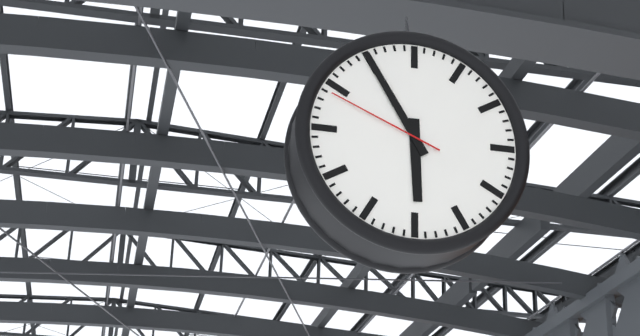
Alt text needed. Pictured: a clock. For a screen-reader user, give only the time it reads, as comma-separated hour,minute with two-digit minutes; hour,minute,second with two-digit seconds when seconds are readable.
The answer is 5,55,49
